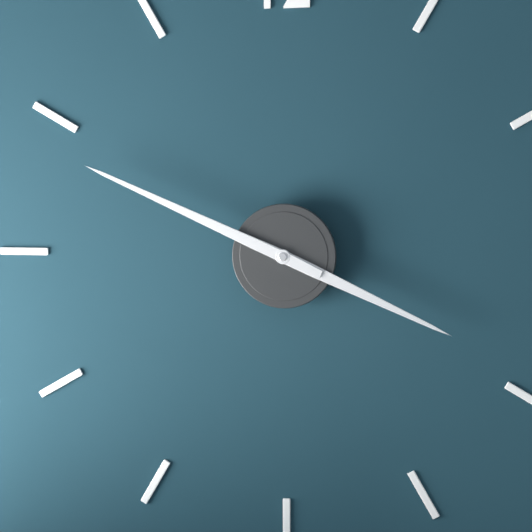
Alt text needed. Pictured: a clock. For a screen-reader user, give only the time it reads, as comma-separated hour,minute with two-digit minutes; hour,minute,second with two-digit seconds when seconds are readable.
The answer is 3,49
